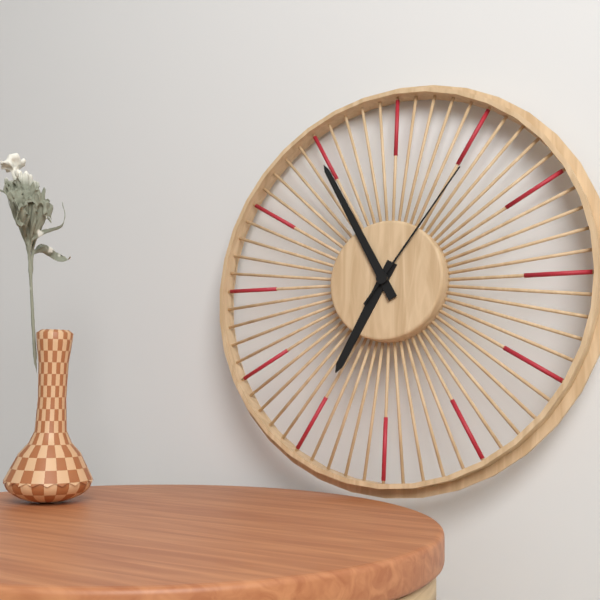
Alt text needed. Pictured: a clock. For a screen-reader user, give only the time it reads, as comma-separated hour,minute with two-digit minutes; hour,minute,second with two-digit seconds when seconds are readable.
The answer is 6,55,06
